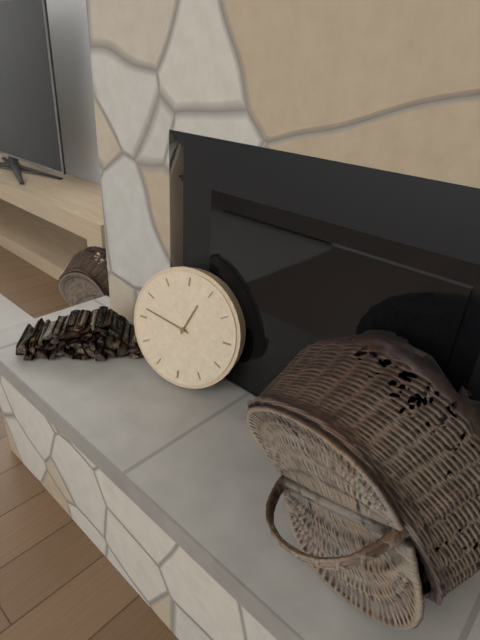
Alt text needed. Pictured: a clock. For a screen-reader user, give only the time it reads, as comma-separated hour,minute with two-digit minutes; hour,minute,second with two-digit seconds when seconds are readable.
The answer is 12,47
